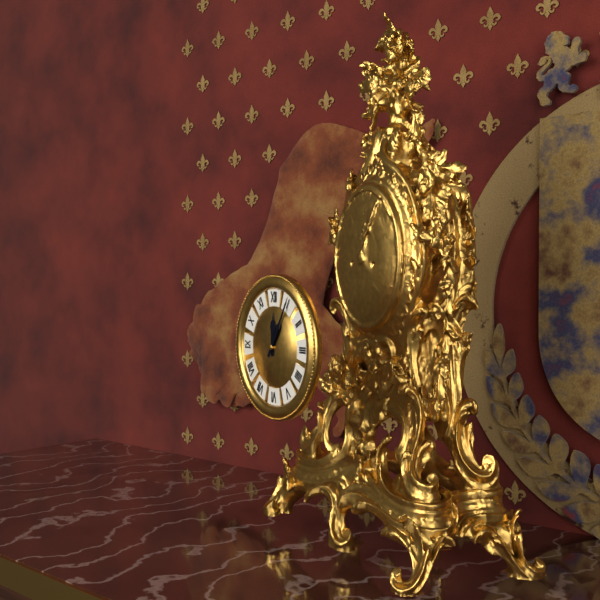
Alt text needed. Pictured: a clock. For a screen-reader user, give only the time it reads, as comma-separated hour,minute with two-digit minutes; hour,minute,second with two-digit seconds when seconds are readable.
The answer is 12,05
